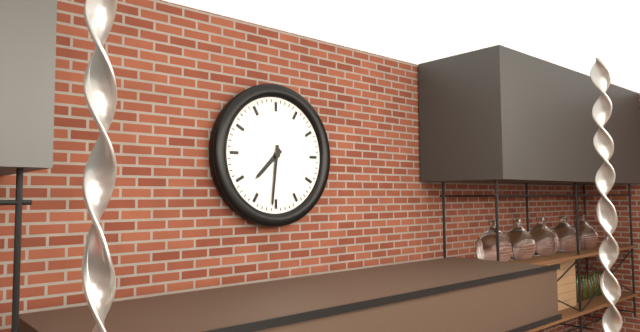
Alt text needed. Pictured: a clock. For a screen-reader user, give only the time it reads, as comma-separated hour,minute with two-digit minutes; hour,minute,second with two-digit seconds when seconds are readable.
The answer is 7,31
